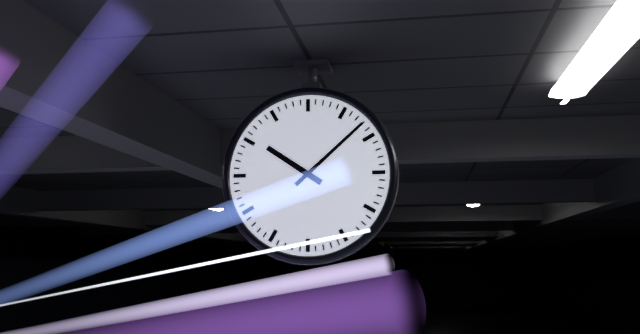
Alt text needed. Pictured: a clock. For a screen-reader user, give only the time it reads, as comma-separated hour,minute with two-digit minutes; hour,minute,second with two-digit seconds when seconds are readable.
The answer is 10,08
